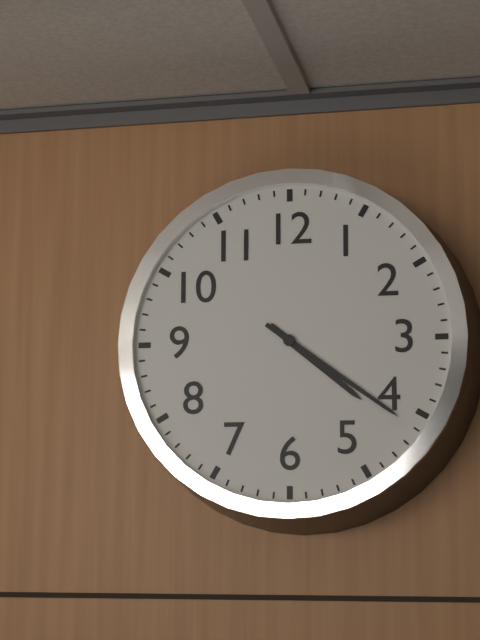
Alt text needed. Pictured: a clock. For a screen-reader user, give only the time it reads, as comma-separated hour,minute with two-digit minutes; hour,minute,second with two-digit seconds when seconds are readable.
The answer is 4,21
